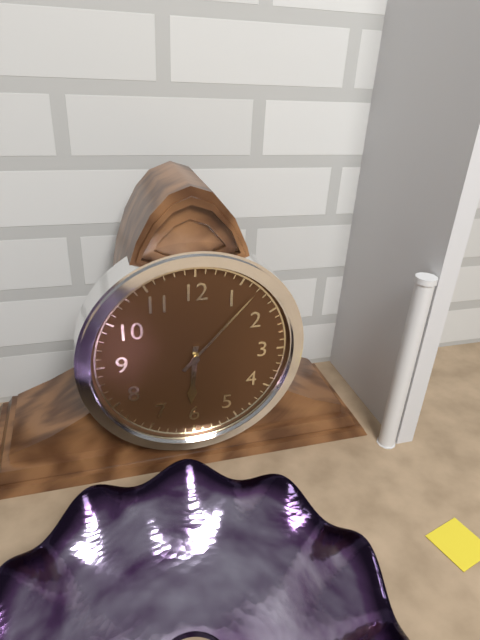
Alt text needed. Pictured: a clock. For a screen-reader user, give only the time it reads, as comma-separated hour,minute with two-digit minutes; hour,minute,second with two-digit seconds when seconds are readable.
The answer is 6,07
